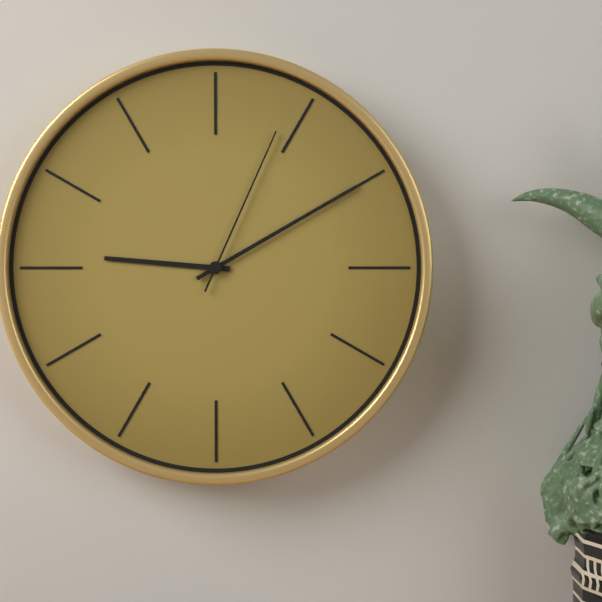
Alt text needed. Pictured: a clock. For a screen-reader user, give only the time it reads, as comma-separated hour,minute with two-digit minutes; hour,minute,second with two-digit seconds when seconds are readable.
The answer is 9,10,04
